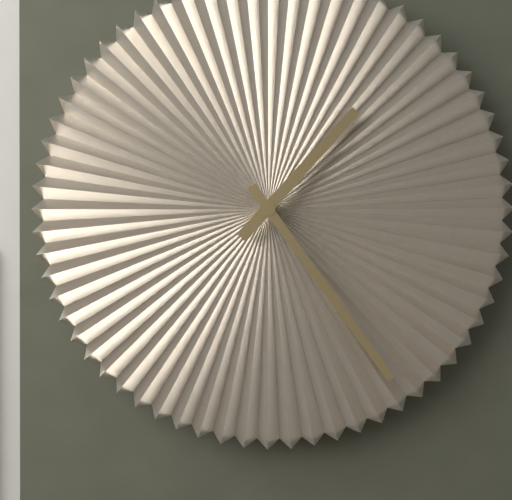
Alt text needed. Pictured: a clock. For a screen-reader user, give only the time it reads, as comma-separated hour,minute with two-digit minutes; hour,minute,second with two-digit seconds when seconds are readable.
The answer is 1,24
